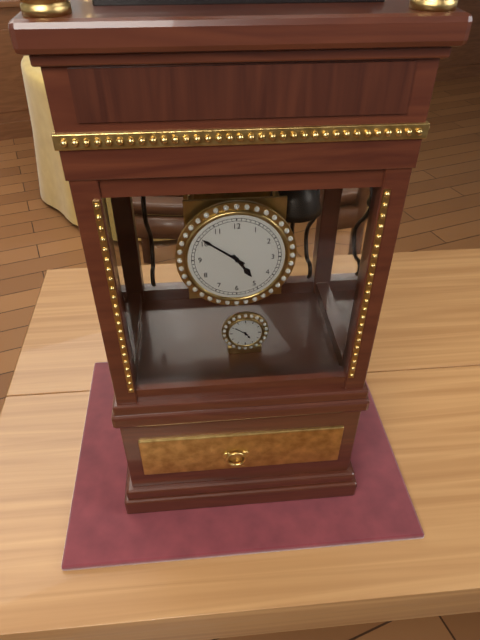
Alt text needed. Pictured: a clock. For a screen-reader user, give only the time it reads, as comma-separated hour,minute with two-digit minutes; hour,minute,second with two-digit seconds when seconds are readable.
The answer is 4,51
